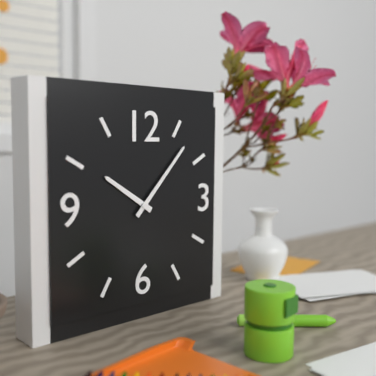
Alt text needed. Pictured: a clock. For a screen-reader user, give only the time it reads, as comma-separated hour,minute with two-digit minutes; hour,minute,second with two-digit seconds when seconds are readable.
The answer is 10,07
